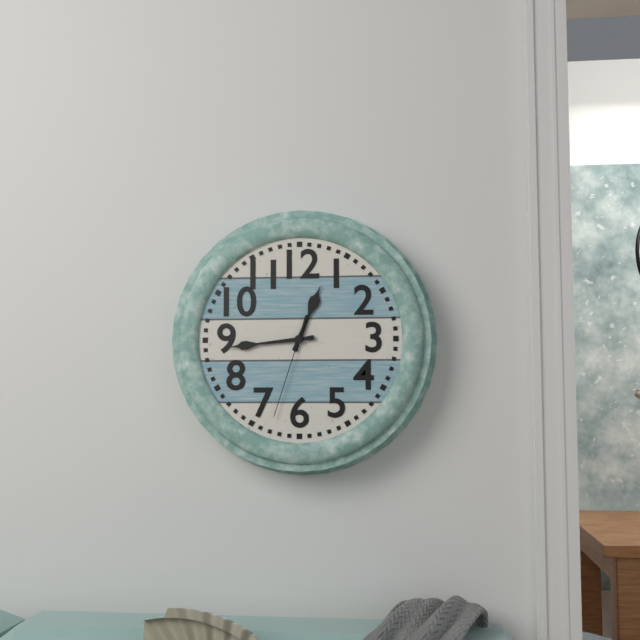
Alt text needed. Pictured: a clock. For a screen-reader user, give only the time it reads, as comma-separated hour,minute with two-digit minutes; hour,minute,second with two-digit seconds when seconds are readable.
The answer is 12,44,33
